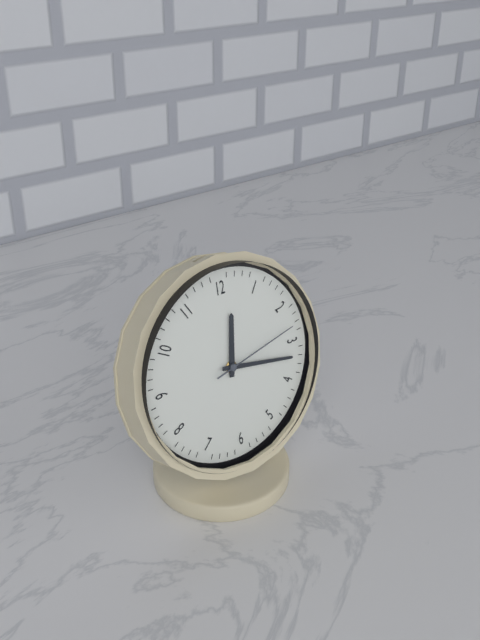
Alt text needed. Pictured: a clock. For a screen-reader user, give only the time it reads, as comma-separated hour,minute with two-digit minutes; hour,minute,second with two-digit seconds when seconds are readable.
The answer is 12,17,13
